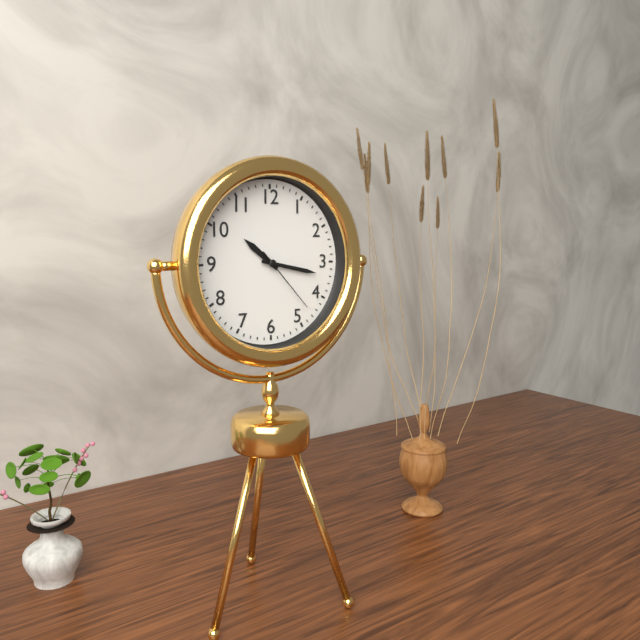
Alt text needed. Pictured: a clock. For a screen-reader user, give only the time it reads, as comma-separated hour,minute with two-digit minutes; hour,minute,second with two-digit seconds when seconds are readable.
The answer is 10,17,23
